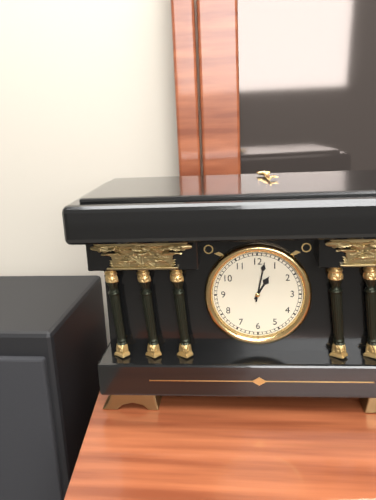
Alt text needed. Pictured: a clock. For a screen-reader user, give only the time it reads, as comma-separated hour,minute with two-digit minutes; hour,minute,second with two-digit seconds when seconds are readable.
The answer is 1,02
